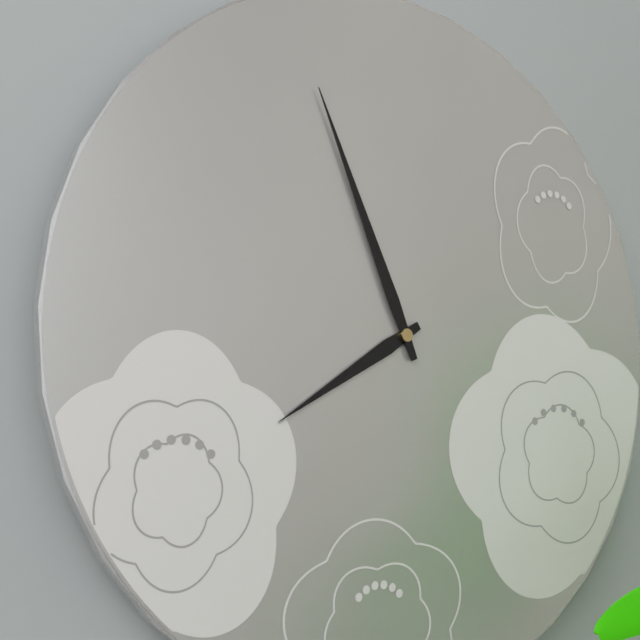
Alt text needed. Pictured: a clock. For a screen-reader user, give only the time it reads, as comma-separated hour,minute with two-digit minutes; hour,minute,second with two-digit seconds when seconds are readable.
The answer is 7,56
